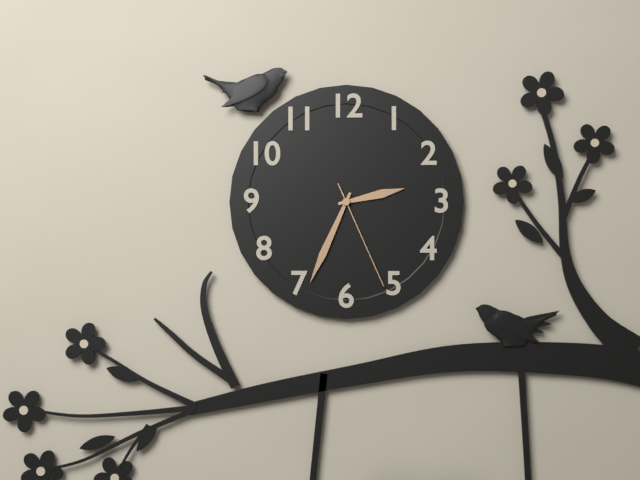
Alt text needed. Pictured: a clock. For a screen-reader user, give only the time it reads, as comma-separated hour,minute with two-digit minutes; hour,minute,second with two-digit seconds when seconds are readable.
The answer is 2,34,26
